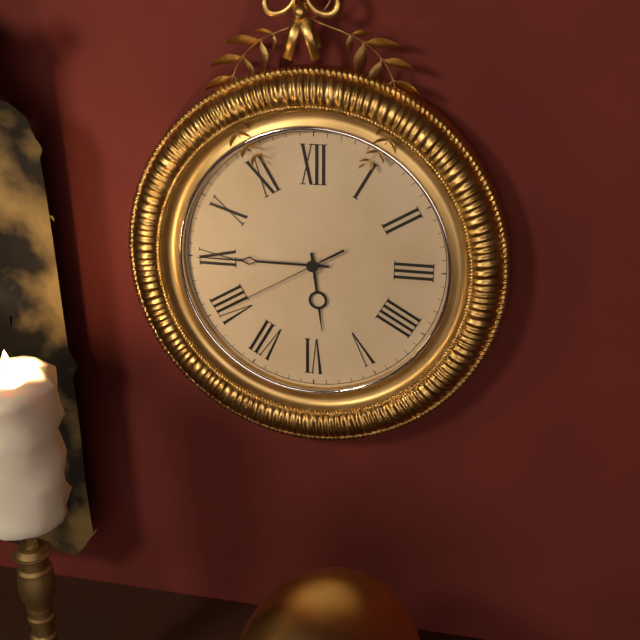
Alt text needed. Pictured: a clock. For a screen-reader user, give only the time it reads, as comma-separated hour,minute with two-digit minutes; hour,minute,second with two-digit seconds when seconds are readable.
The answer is 5,45,40
